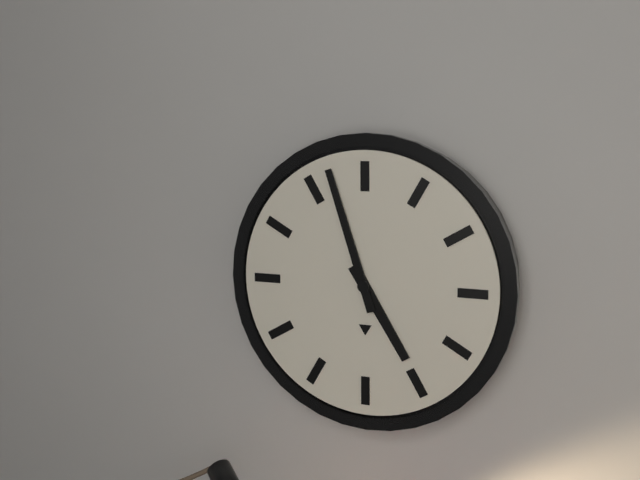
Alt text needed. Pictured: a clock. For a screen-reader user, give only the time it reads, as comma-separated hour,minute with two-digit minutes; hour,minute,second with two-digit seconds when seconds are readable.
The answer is 4,57
